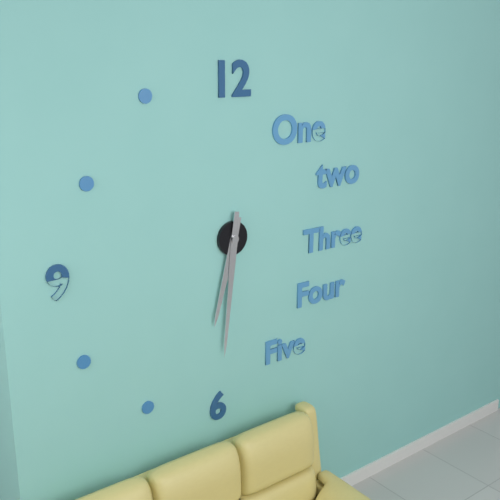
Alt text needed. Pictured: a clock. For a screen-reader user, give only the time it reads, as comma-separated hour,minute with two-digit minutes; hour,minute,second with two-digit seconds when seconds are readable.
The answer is 6,31
